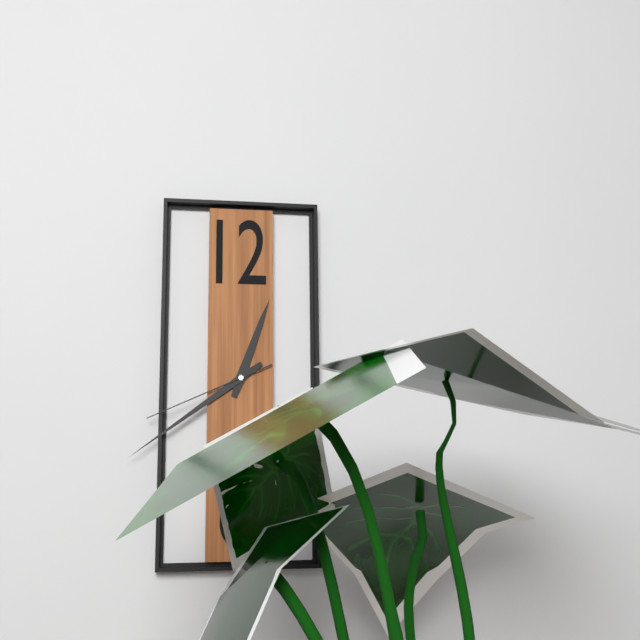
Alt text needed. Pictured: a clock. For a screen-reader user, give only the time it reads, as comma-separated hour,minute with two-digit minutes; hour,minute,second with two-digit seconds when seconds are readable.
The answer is 12,39,41
